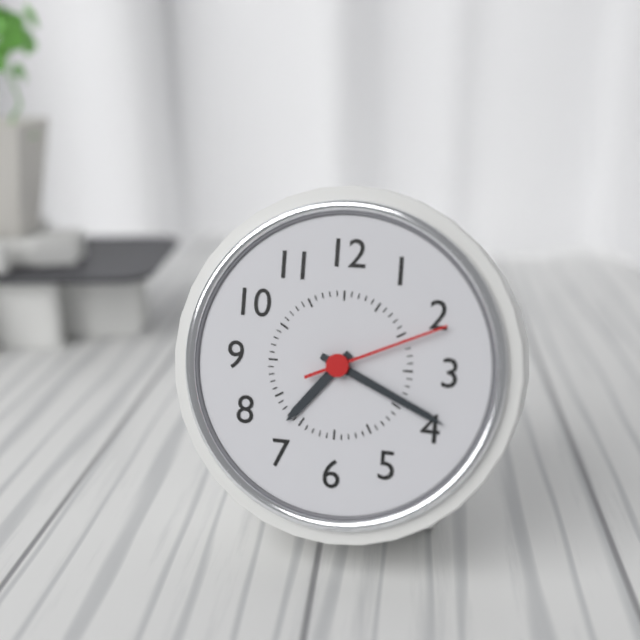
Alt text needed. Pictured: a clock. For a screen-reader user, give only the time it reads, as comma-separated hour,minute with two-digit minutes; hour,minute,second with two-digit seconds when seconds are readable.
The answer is 7,19,11
